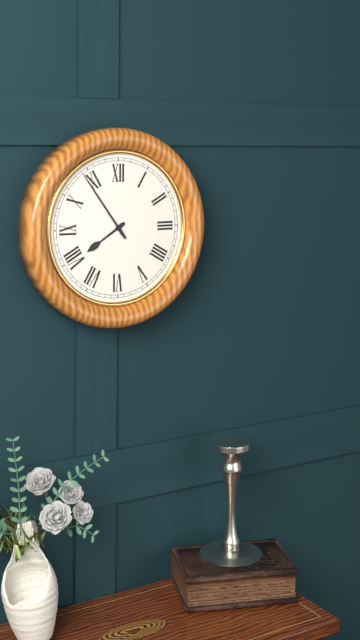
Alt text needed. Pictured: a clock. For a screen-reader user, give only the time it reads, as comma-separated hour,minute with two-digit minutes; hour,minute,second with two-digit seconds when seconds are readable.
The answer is 7,54
